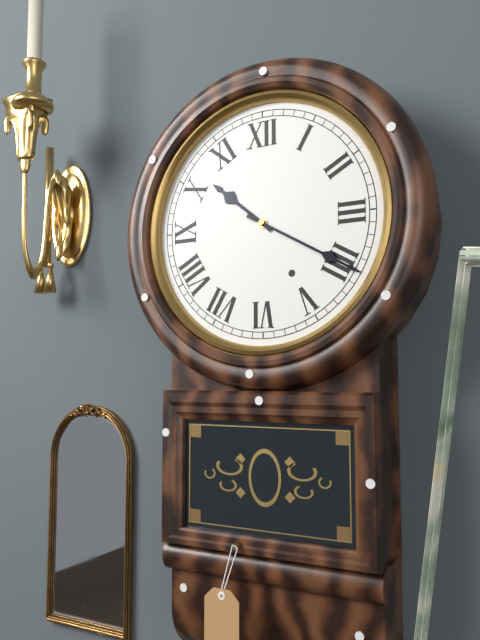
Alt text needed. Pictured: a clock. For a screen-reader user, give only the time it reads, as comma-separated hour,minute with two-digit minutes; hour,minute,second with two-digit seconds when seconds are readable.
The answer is 10,20
